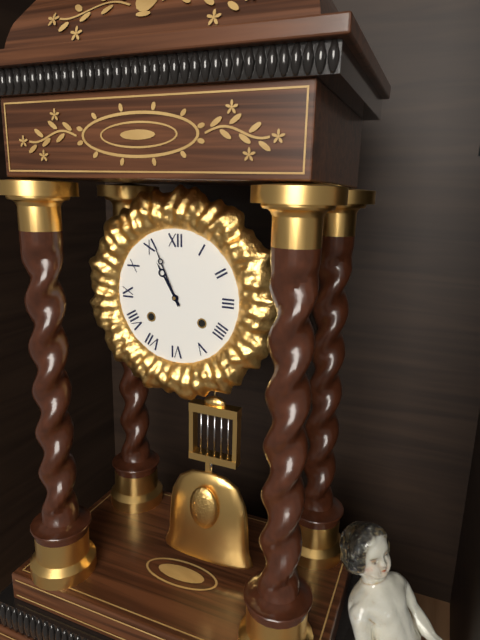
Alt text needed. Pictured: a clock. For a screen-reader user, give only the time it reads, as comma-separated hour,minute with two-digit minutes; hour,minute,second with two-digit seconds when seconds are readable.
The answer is 10,56
